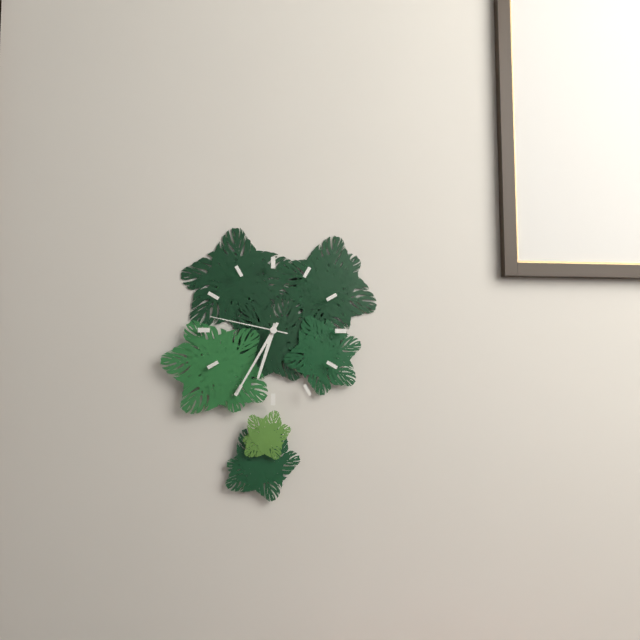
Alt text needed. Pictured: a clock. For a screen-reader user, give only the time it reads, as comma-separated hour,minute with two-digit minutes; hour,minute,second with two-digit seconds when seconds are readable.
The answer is 6,35,47
